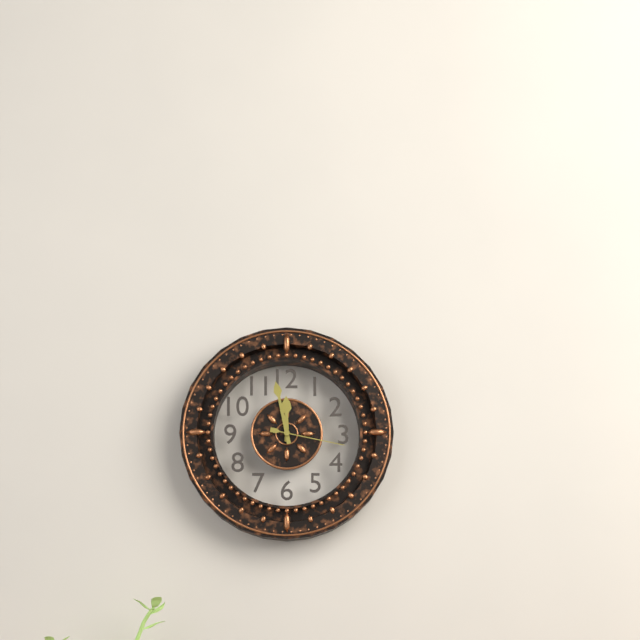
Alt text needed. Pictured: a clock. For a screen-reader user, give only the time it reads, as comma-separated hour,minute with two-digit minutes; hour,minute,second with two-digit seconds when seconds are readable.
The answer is 11,58,17
